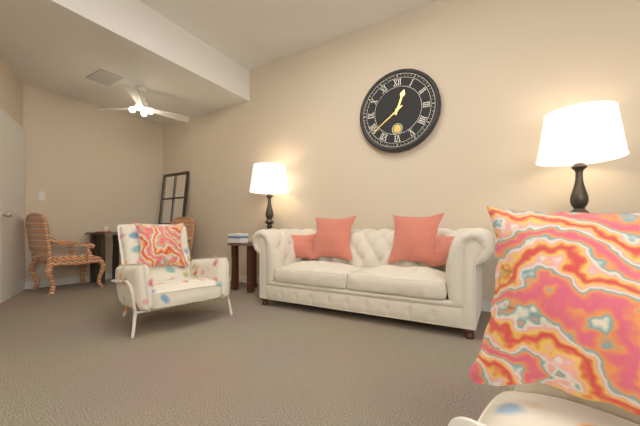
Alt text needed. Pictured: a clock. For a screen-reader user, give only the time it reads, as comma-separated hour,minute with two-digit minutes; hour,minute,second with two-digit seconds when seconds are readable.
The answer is 12,39
